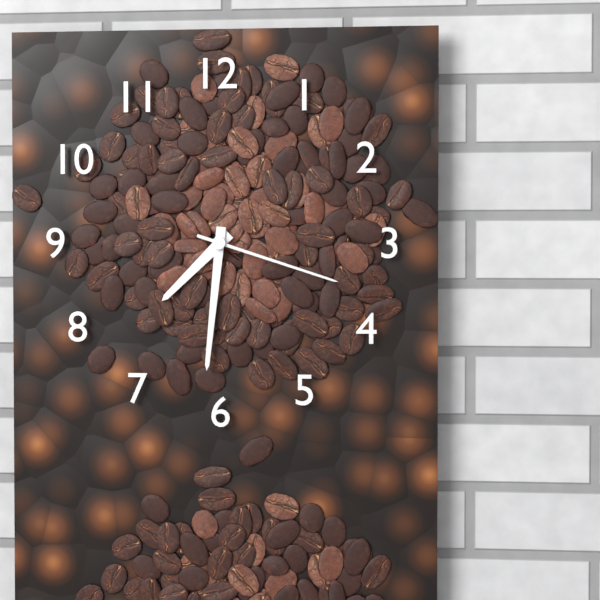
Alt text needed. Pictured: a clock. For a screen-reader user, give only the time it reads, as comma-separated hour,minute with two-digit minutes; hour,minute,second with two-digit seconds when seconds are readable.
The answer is 7,31,18
